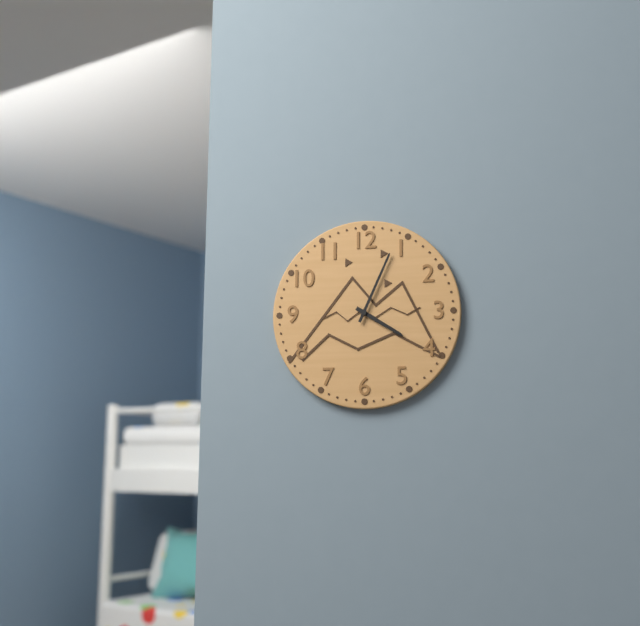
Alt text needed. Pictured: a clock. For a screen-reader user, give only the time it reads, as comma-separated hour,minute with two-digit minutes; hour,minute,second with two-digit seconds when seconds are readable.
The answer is 4,04
